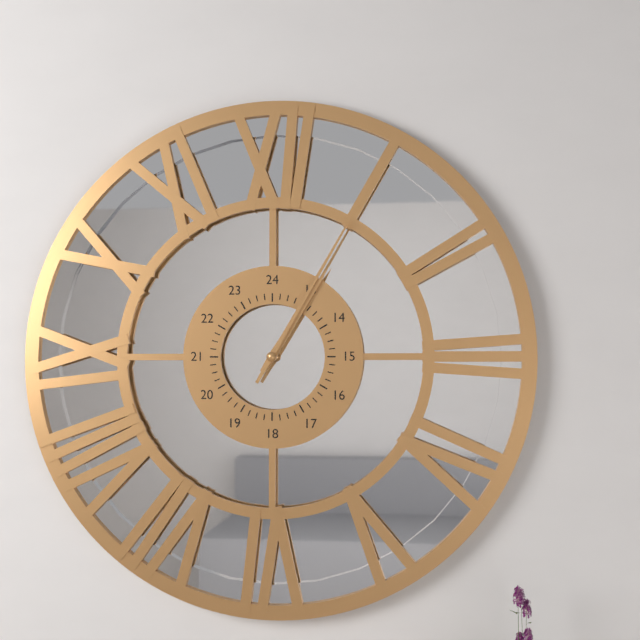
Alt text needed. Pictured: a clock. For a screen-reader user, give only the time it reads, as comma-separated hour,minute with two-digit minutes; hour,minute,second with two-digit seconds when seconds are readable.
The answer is 1,05
